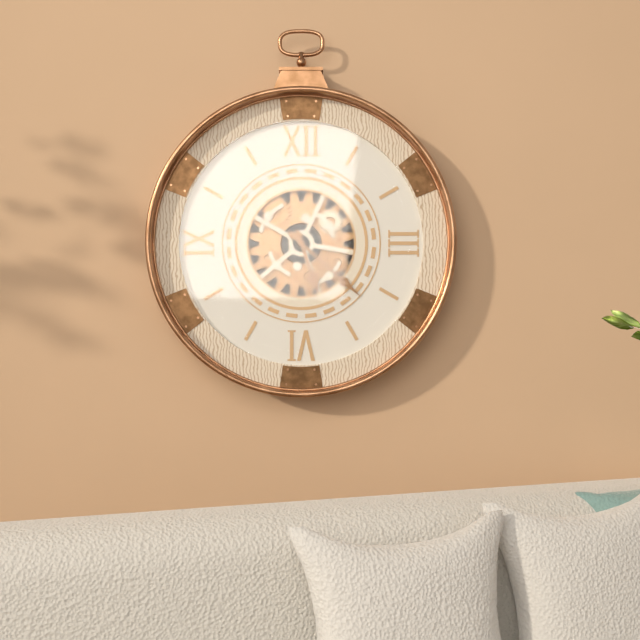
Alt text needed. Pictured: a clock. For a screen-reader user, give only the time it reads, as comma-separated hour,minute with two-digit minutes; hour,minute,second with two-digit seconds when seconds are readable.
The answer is 5,22
